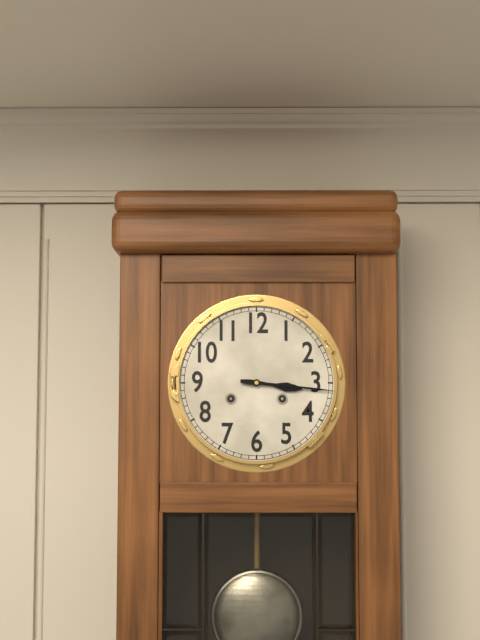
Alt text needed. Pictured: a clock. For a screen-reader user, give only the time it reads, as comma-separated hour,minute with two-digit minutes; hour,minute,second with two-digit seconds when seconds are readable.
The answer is 3,16
